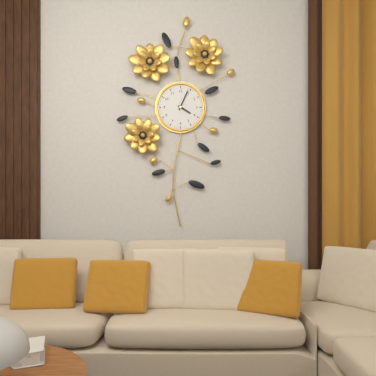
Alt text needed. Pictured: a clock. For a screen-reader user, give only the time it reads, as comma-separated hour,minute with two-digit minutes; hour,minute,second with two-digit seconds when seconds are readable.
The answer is 4,04
